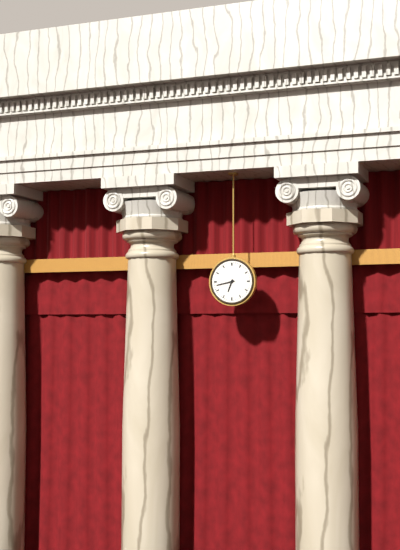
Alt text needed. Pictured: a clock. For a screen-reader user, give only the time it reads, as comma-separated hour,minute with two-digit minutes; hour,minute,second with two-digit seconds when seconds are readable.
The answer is 6,43
